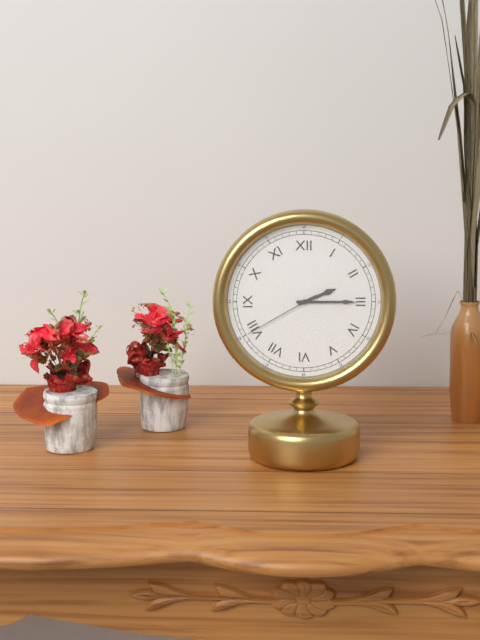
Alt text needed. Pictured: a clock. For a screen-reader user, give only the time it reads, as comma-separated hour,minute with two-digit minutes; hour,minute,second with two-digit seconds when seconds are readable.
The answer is 2,15,40
